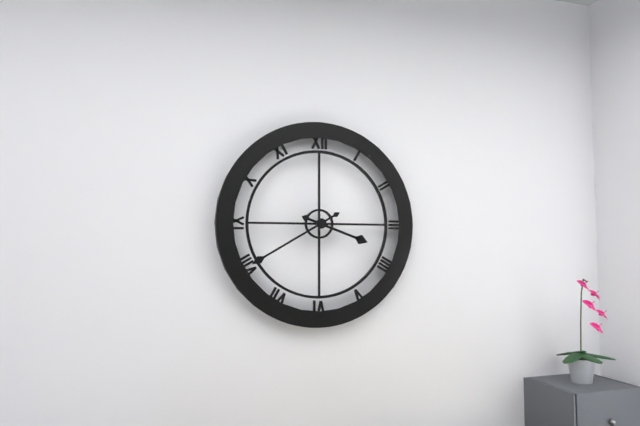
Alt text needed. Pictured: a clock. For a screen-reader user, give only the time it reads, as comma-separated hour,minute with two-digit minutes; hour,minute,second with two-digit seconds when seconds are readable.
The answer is 3,40
